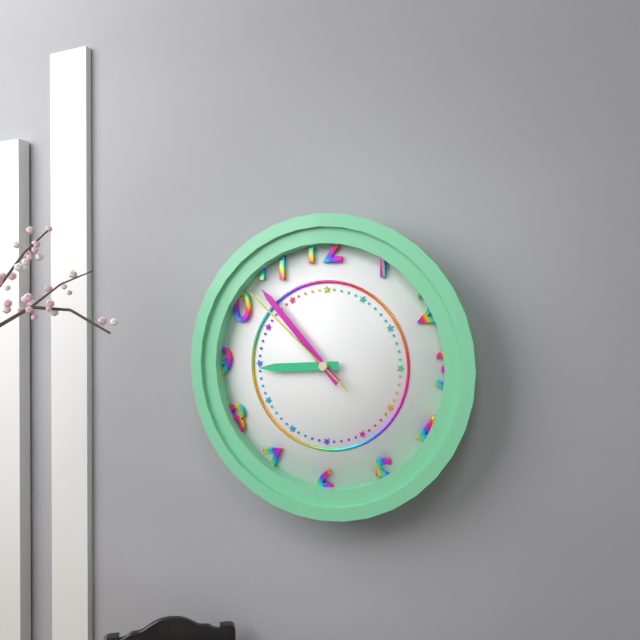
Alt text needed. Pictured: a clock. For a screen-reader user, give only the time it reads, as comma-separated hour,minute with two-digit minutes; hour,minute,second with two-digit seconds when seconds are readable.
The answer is 8,53,52
